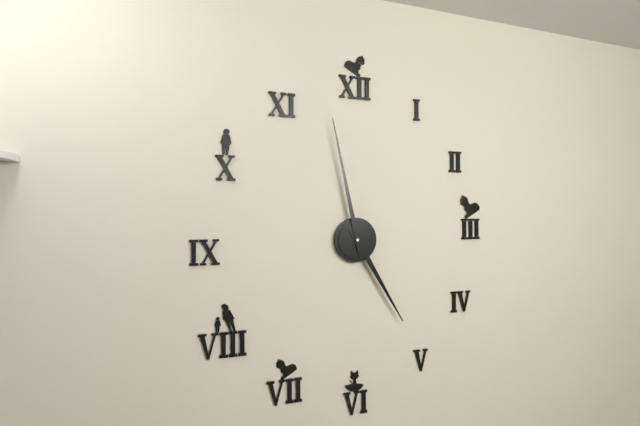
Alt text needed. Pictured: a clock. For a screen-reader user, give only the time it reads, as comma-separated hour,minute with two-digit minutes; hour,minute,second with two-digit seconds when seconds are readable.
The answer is 4,58
